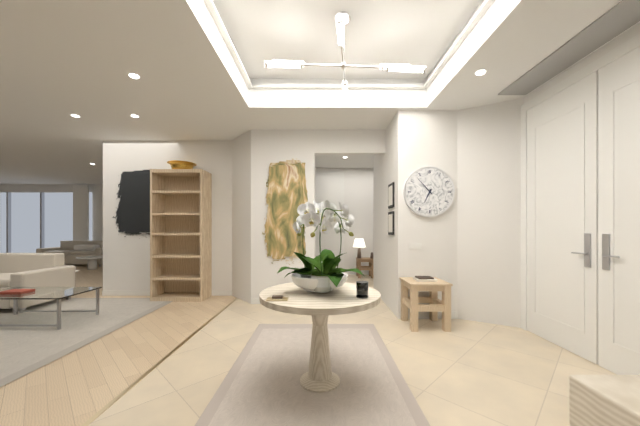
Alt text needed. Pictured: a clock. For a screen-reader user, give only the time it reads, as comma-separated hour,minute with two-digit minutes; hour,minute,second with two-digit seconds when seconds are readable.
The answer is 6,53
